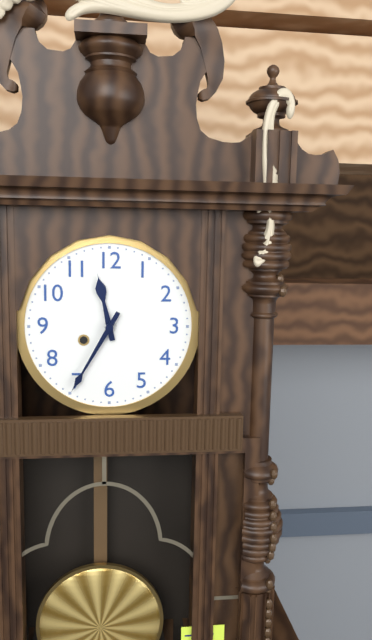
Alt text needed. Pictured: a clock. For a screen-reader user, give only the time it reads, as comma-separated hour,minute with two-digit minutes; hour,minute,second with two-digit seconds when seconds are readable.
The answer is 11,35
